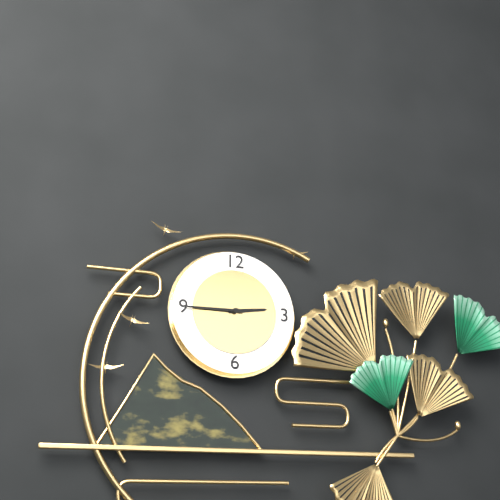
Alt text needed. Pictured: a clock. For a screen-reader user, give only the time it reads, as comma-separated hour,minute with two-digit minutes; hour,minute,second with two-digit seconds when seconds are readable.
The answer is 2,45
